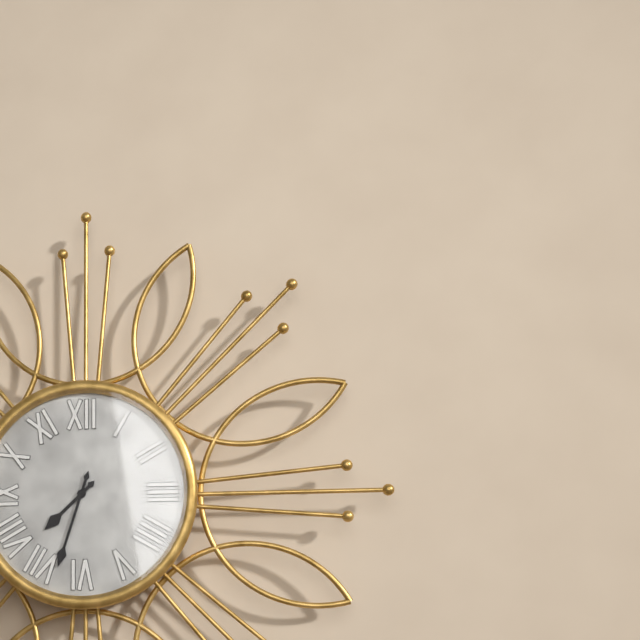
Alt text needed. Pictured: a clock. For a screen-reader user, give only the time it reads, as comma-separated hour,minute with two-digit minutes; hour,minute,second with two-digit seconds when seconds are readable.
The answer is 7,33
